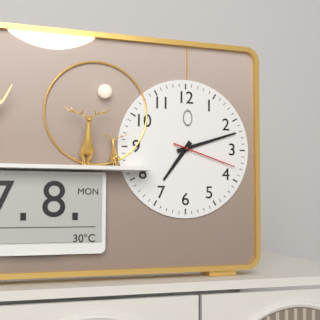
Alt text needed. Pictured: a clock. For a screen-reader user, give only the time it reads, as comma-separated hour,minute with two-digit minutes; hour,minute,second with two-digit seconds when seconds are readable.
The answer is 7,12,18
